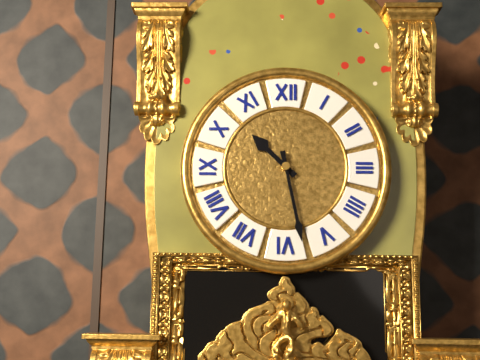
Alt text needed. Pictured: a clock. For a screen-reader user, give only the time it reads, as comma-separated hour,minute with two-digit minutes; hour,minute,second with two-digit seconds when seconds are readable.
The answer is 10,28
